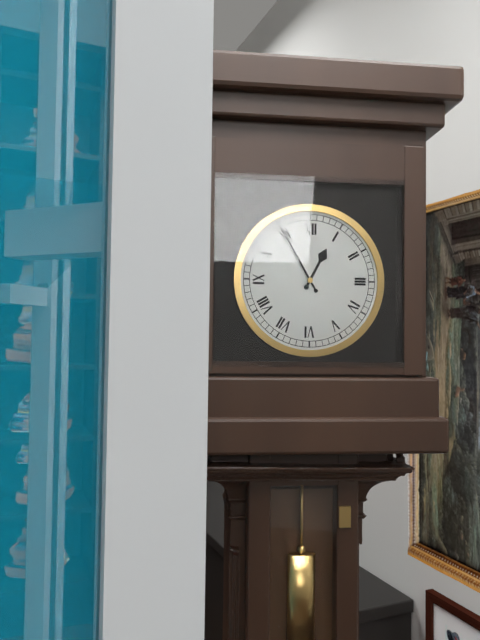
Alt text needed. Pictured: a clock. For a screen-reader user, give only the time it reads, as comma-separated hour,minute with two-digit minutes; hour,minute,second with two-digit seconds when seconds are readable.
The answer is 12,55
